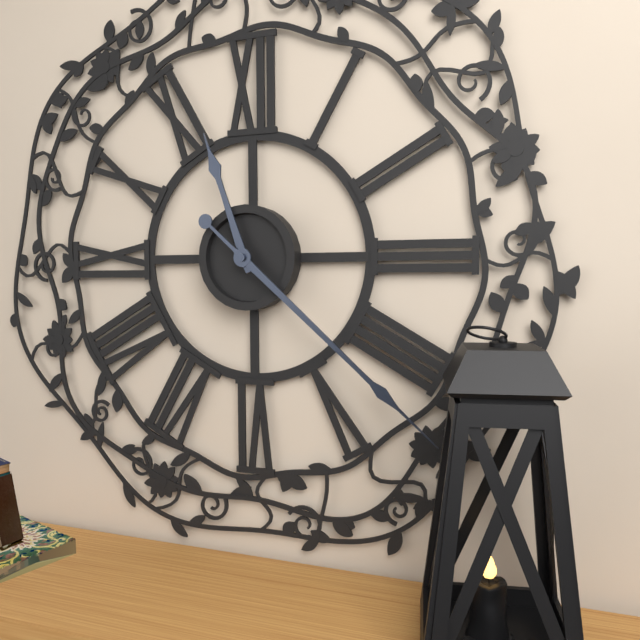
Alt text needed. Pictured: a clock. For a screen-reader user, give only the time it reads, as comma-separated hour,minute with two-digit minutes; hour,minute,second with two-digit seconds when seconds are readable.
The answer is 11,22
